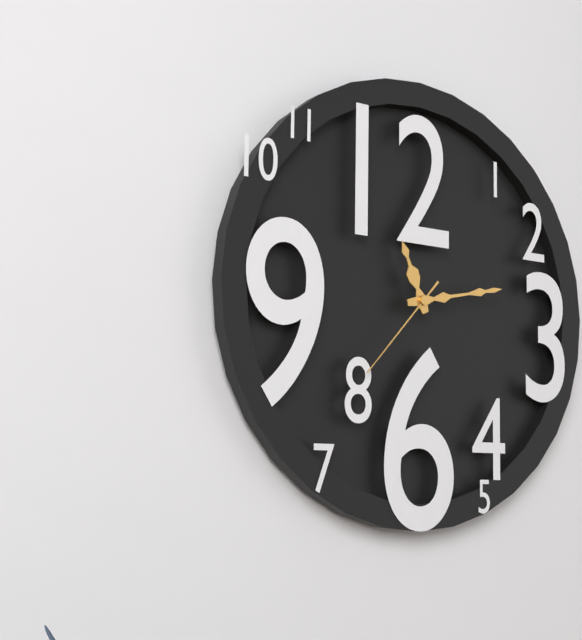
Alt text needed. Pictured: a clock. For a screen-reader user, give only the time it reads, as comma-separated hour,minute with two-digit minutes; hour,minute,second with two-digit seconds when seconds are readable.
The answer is 11,13,37
